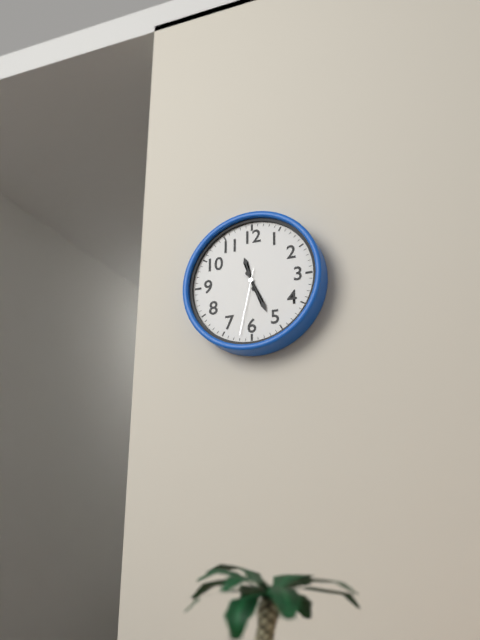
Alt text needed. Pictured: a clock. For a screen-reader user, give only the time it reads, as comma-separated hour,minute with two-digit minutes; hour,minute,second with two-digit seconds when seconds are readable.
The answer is 11,26,32
